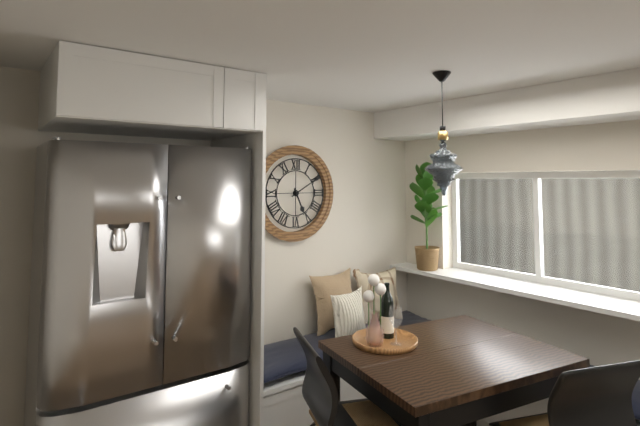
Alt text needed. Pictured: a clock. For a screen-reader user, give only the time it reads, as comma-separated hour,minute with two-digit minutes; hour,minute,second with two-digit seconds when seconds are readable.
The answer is 5,10
